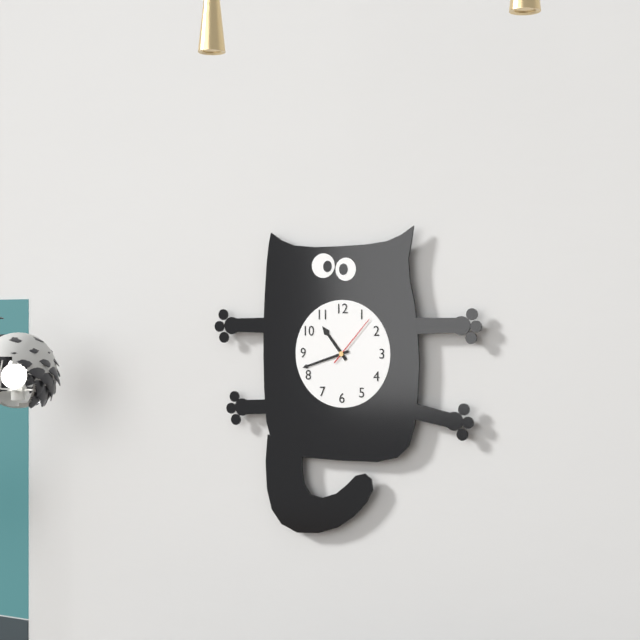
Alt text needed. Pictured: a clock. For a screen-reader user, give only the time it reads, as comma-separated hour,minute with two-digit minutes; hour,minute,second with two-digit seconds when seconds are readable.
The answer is 10,42,07
